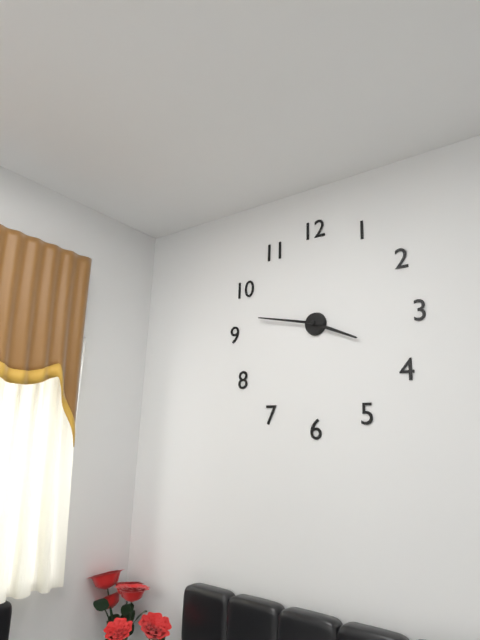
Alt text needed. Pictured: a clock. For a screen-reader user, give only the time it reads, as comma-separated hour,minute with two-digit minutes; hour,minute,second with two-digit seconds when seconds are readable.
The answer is 3,47
